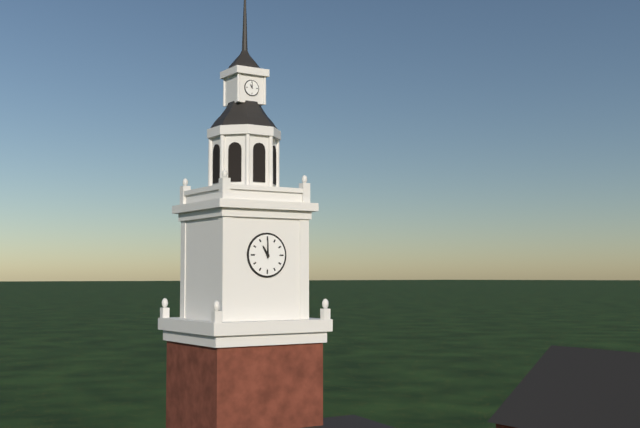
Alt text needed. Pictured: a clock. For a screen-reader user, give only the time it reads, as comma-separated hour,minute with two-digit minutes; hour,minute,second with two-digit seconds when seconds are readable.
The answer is 11,00
